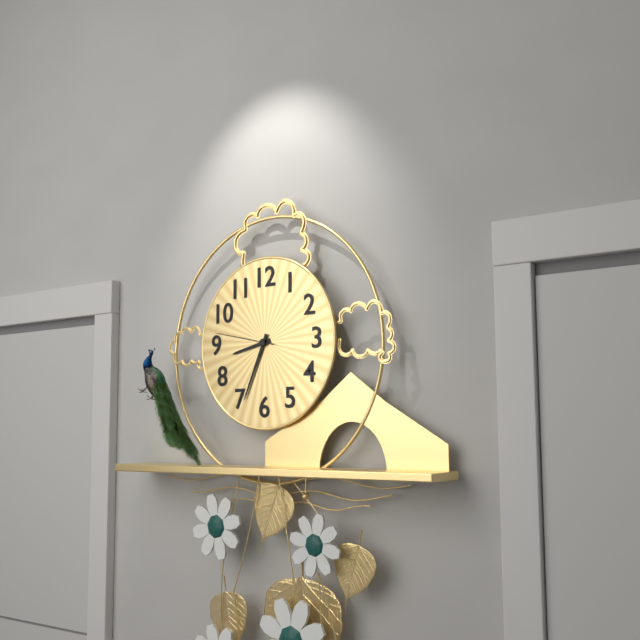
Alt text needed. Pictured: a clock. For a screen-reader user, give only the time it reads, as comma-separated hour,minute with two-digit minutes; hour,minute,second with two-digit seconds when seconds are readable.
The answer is 8,34,47
